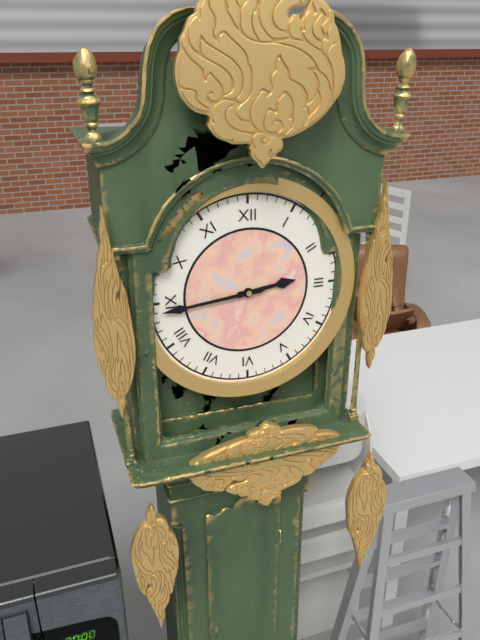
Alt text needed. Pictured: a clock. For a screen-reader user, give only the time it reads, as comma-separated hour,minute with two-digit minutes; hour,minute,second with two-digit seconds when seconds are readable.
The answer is 2,44
